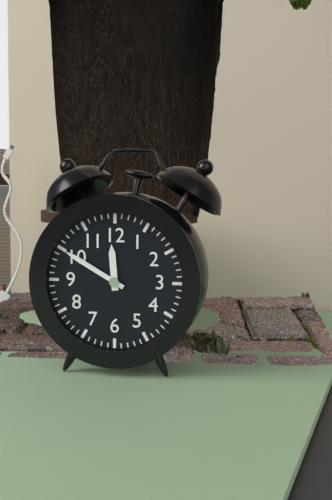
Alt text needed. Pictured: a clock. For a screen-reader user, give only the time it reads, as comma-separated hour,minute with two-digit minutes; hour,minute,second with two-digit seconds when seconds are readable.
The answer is 11,50
